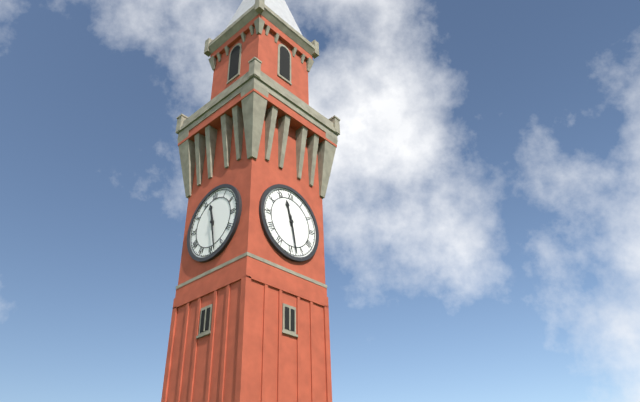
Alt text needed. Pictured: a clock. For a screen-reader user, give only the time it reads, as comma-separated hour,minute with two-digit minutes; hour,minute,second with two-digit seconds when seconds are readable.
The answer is 11,28
